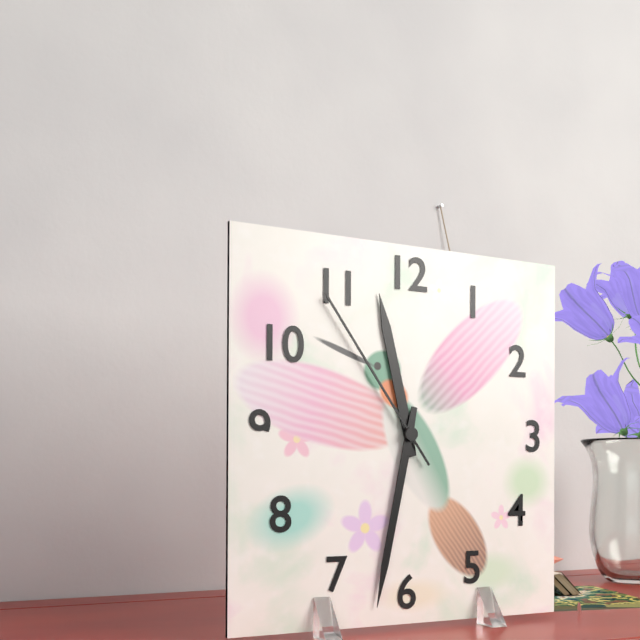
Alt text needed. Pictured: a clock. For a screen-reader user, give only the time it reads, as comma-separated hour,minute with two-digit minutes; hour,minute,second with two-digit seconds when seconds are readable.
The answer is 11,32,54
